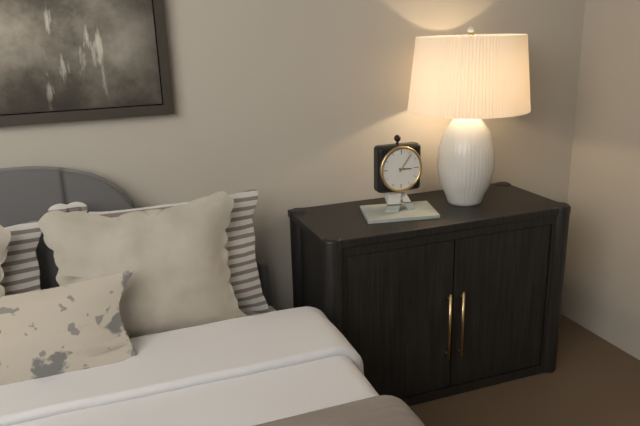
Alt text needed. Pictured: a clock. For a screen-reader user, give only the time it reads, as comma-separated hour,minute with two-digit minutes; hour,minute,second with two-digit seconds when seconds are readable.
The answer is 3,06
